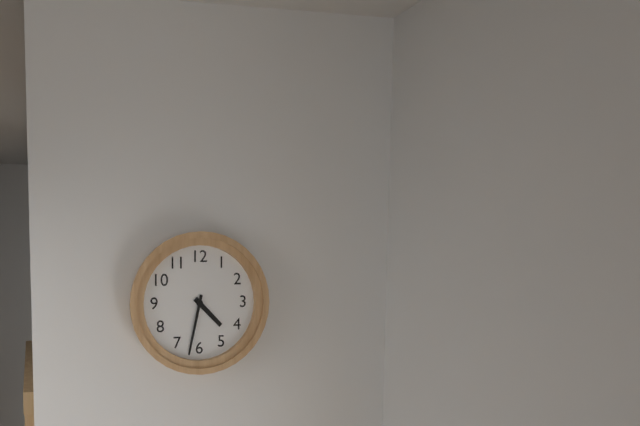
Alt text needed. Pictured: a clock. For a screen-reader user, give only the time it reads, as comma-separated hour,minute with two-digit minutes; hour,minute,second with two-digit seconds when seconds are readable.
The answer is 4,32
